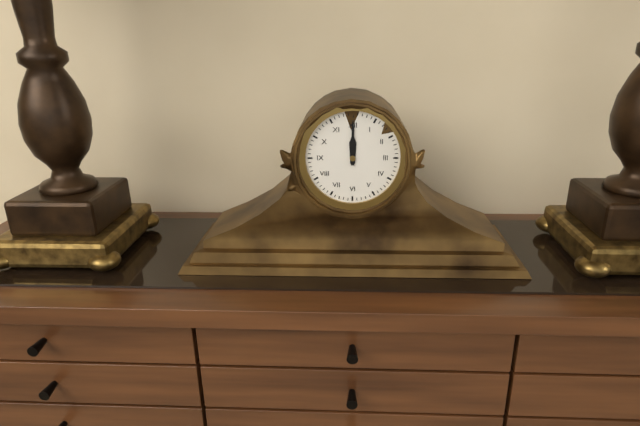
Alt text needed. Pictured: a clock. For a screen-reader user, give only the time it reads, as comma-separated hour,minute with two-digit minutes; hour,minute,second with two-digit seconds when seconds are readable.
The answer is 12,00
